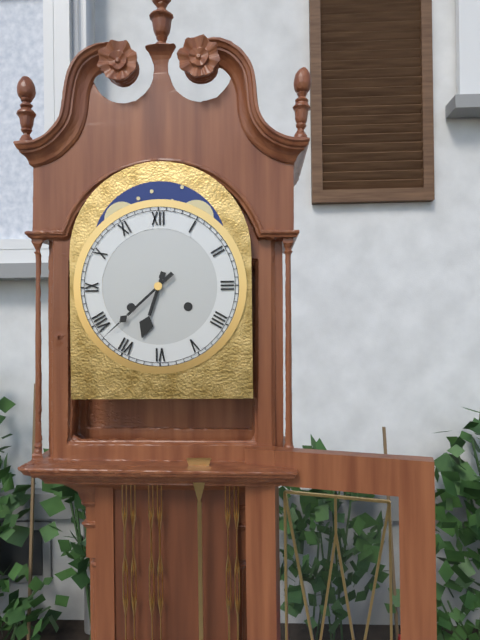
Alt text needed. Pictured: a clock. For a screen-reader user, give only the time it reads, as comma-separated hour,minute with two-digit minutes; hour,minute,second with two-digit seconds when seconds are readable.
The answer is 6,38
